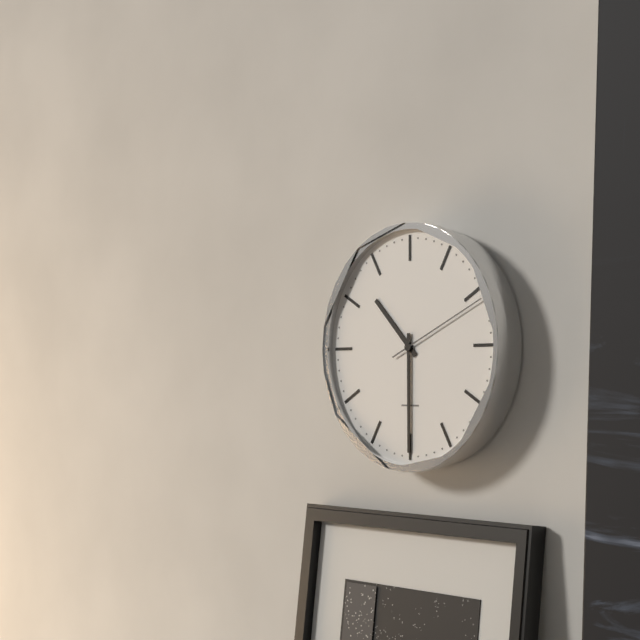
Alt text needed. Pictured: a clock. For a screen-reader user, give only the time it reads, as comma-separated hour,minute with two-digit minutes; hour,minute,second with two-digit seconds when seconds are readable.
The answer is 10,30,11
